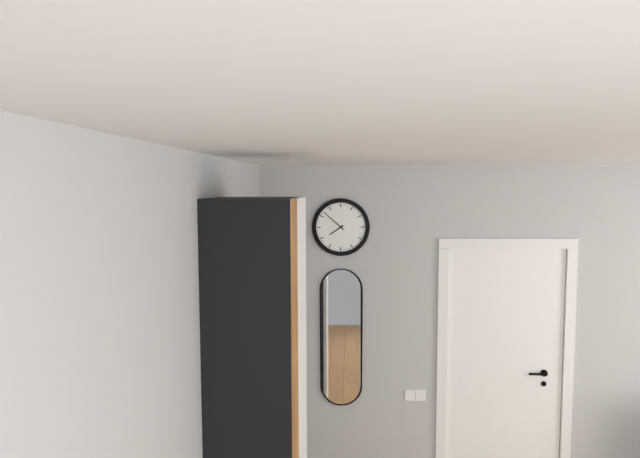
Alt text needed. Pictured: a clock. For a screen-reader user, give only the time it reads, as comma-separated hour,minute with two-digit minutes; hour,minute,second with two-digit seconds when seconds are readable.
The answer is 7,52
